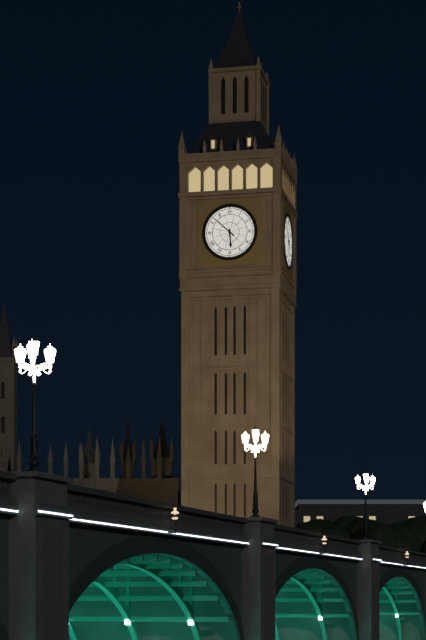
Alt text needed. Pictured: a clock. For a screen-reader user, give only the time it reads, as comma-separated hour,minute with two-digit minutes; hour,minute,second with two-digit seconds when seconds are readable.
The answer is 5,52
